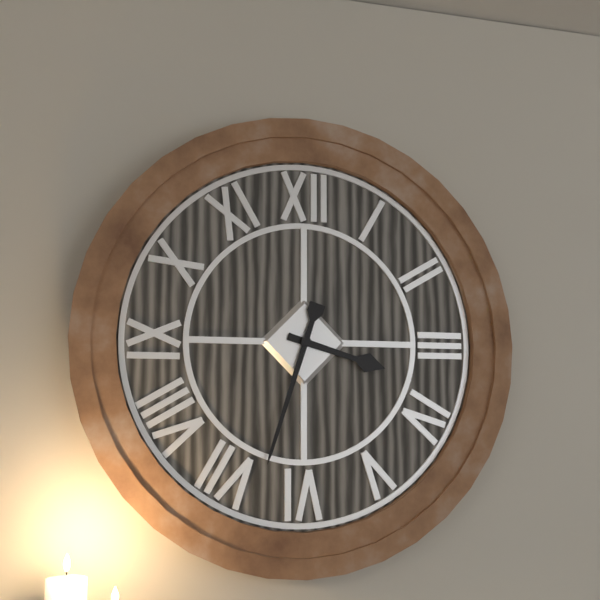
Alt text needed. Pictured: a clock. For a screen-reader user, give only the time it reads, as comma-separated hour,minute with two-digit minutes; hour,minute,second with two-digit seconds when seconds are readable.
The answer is 3,33
